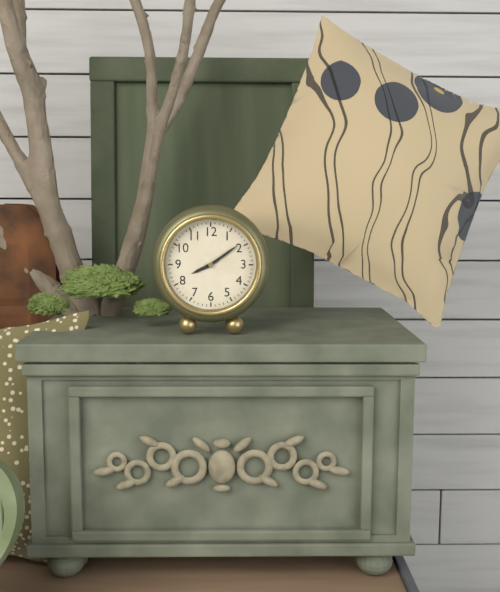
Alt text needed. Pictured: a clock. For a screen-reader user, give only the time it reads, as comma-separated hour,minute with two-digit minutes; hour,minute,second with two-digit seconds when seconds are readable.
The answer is 8,09
